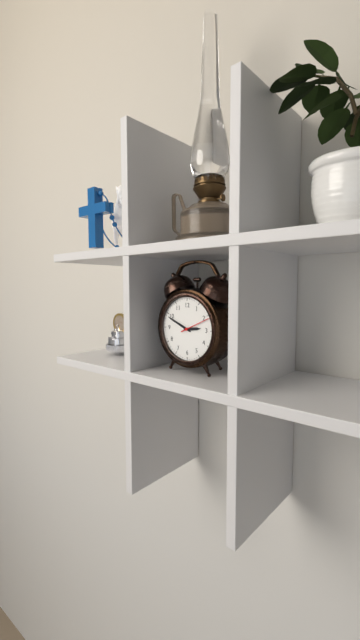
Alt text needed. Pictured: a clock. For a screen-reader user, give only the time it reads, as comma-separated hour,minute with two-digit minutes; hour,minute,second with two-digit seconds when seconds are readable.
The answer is 2,49
